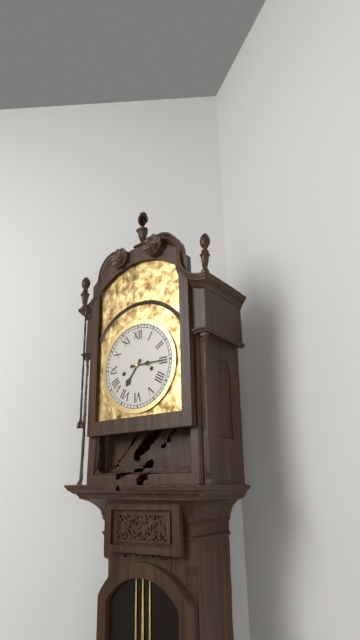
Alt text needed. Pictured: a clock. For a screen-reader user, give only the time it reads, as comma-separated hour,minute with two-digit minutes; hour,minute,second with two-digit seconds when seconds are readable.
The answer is 7,15
